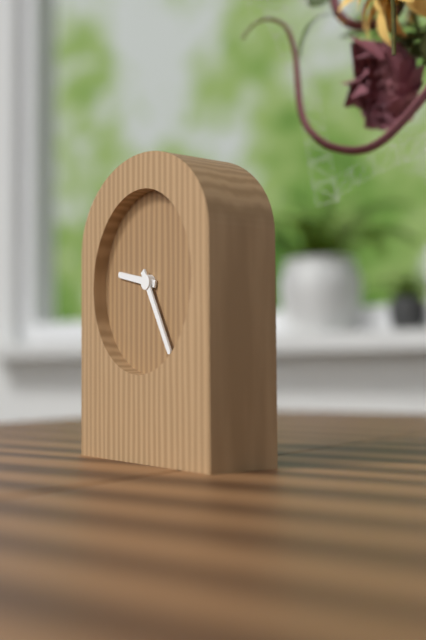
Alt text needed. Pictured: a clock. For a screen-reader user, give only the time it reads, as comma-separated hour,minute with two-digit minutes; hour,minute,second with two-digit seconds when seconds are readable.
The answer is 9,25
